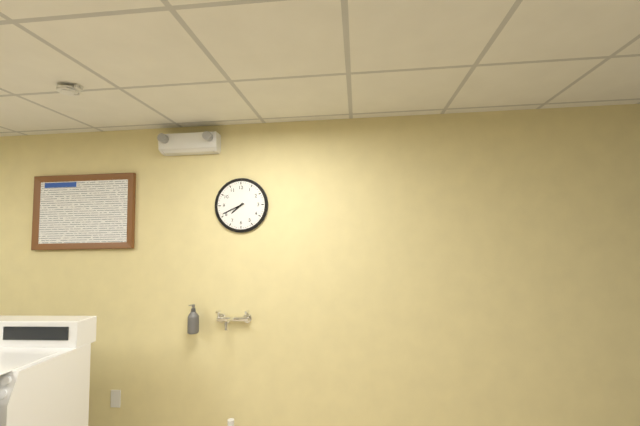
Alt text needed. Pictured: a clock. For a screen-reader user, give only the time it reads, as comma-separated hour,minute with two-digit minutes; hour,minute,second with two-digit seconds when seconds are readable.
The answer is 7,41
